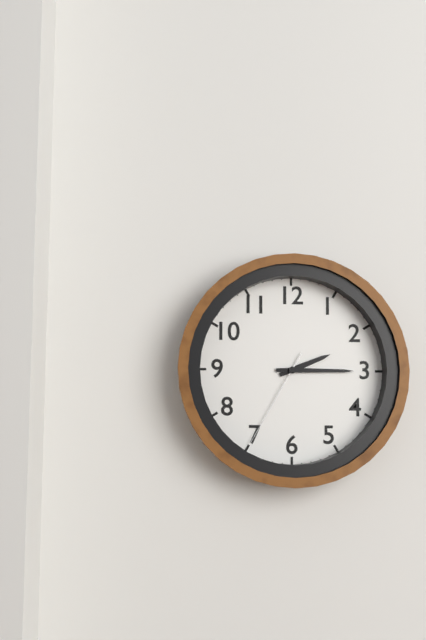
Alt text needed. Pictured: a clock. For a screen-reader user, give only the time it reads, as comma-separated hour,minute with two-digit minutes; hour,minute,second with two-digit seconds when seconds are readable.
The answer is 2,15,35
